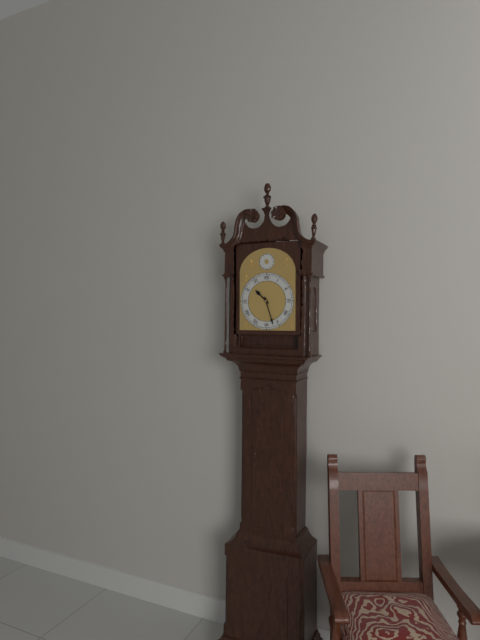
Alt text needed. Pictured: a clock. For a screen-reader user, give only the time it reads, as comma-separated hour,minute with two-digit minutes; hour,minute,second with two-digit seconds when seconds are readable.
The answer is 10,27
